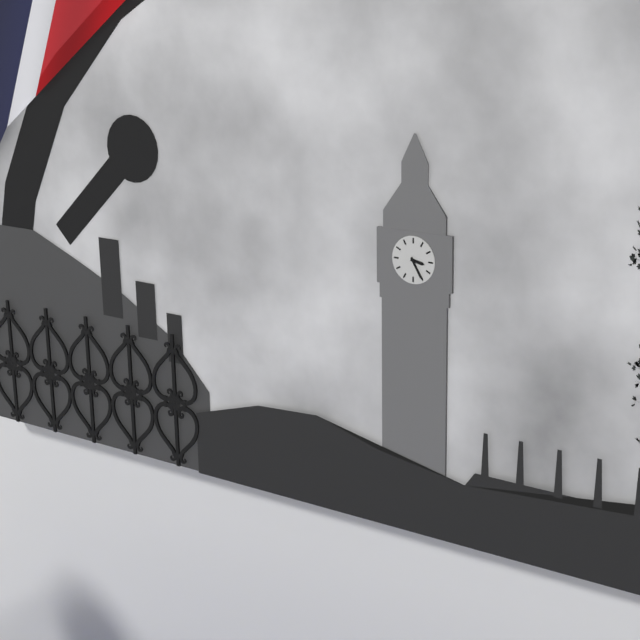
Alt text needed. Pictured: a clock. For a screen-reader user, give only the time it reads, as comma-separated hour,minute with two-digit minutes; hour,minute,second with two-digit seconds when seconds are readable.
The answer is 3,25
